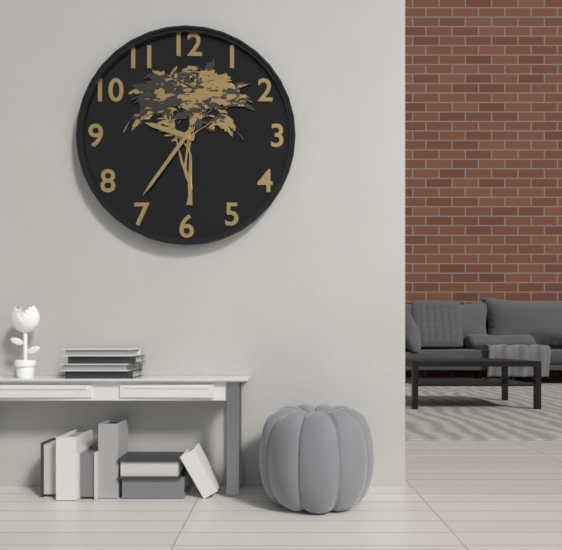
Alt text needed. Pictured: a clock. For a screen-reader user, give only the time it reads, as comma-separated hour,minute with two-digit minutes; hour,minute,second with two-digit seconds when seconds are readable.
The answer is 9,36
